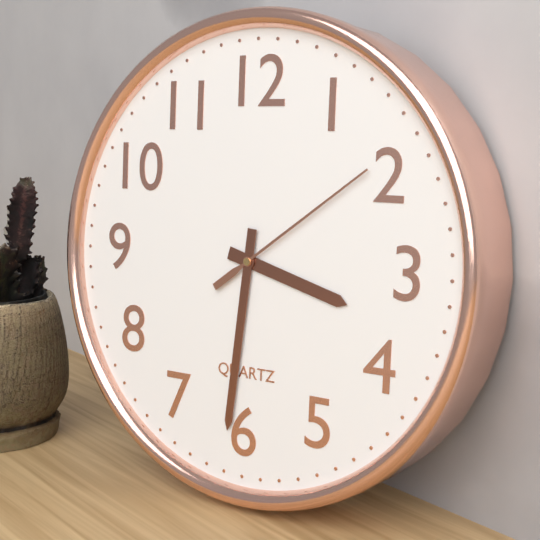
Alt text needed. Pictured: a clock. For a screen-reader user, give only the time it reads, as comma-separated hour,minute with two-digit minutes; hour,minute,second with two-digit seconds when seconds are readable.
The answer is 3,31,09
